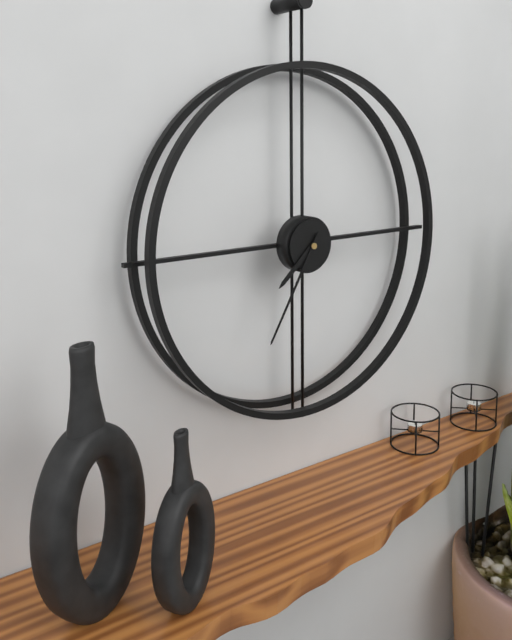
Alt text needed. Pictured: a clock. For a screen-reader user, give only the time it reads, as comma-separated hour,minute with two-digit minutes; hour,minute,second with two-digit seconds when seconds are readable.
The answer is 7,35
